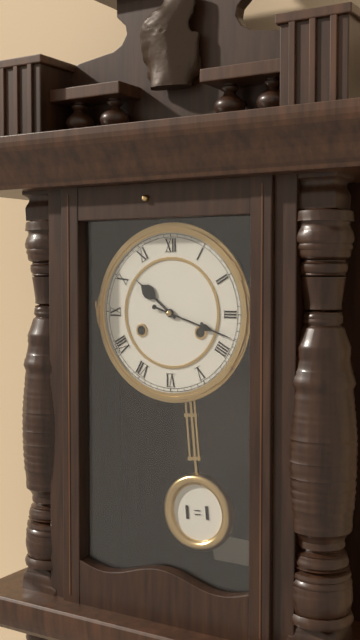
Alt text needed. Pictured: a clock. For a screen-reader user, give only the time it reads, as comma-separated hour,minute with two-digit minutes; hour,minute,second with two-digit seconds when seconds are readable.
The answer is 10,18
